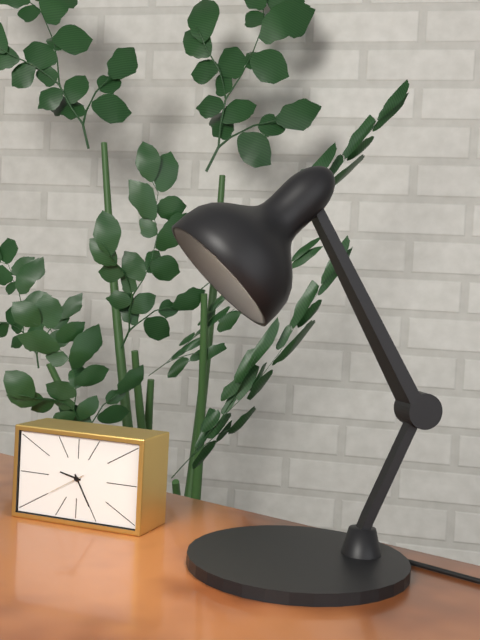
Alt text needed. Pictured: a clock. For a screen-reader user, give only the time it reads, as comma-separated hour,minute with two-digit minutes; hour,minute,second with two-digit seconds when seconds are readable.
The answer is 9,25
